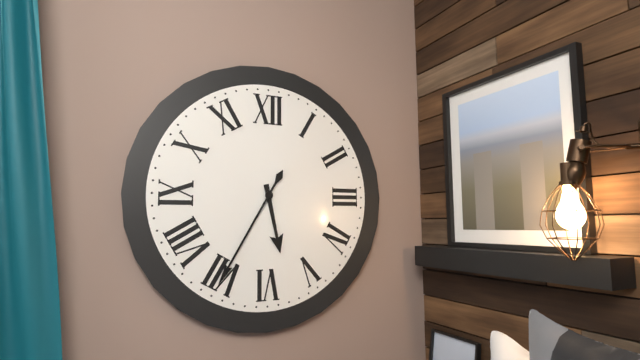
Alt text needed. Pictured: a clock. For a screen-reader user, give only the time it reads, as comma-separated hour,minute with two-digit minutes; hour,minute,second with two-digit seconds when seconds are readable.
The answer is 5,35
